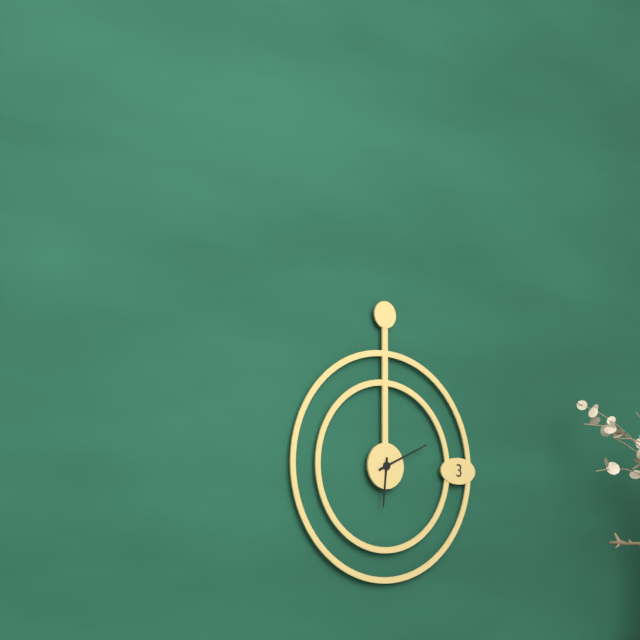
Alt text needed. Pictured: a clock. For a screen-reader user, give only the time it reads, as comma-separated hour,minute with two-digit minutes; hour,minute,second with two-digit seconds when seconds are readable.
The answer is 6,11
